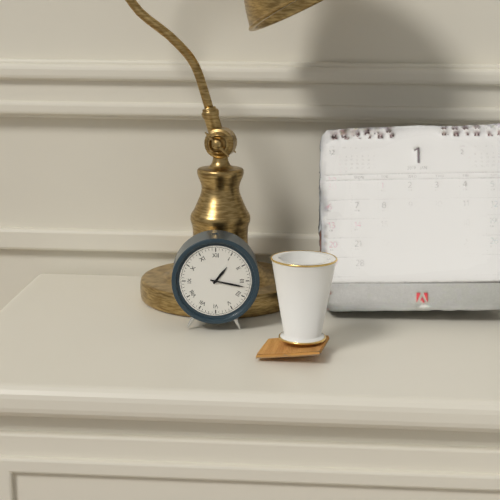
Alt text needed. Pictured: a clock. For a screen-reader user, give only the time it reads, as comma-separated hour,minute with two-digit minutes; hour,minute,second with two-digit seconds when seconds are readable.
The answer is 1,17
